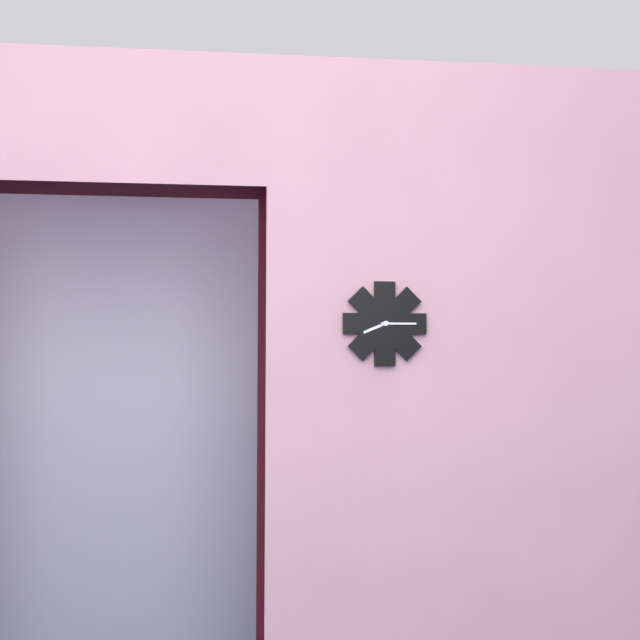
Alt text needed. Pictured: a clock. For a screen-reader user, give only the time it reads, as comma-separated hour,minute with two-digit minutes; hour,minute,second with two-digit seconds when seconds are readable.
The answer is 8,15
